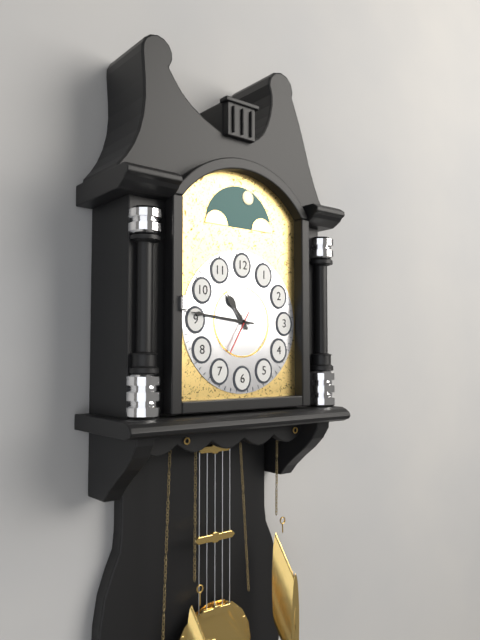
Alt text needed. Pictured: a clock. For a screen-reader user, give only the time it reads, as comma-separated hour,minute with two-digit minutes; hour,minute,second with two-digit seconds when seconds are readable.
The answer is 10,46
